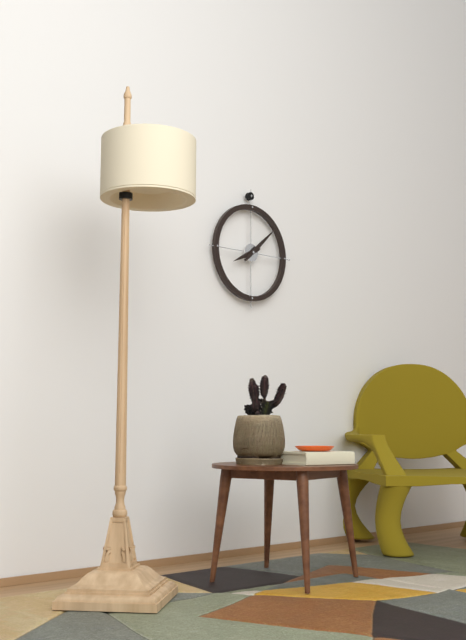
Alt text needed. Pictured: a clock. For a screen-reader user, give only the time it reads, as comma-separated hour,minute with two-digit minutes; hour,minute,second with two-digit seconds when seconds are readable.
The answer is 8,08
